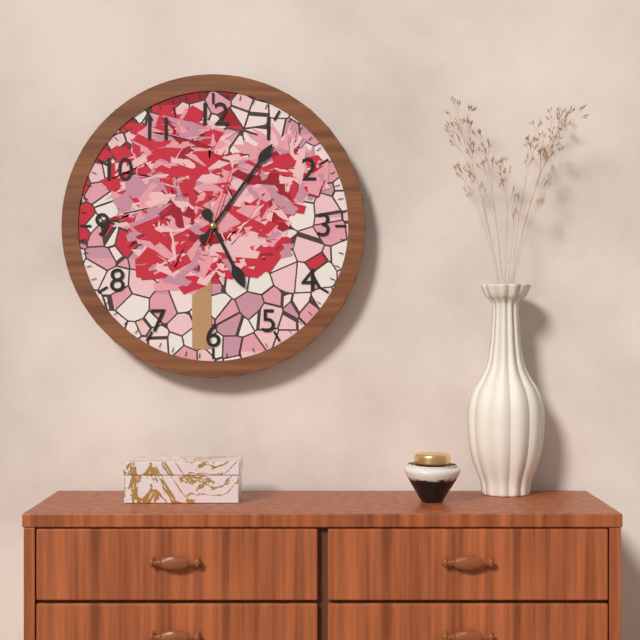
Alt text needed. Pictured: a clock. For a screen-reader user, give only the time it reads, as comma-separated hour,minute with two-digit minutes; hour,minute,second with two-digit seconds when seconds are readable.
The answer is 5,06,03
